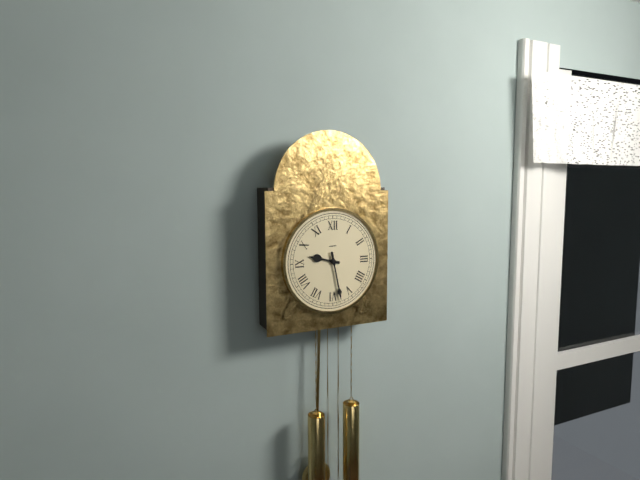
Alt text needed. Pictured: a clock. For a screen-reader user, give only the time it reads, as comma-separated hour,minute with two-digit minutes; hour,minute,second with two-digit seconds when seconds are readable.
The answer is 9,28
